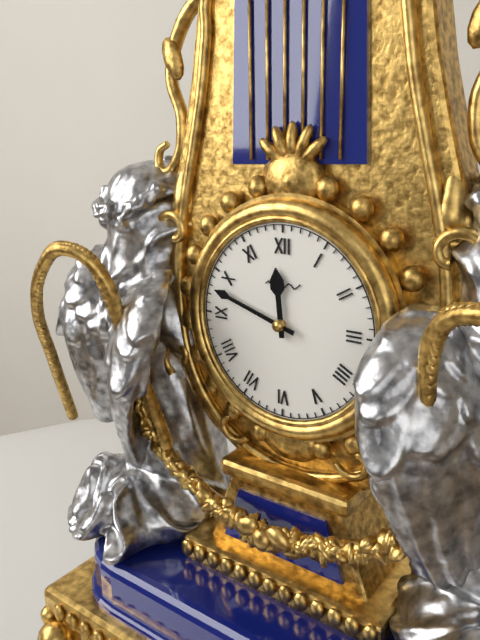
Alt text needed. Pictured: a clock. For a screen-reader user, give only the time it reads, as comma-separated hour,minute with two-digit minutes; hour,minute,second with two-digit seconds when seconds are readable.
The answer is 11,48
